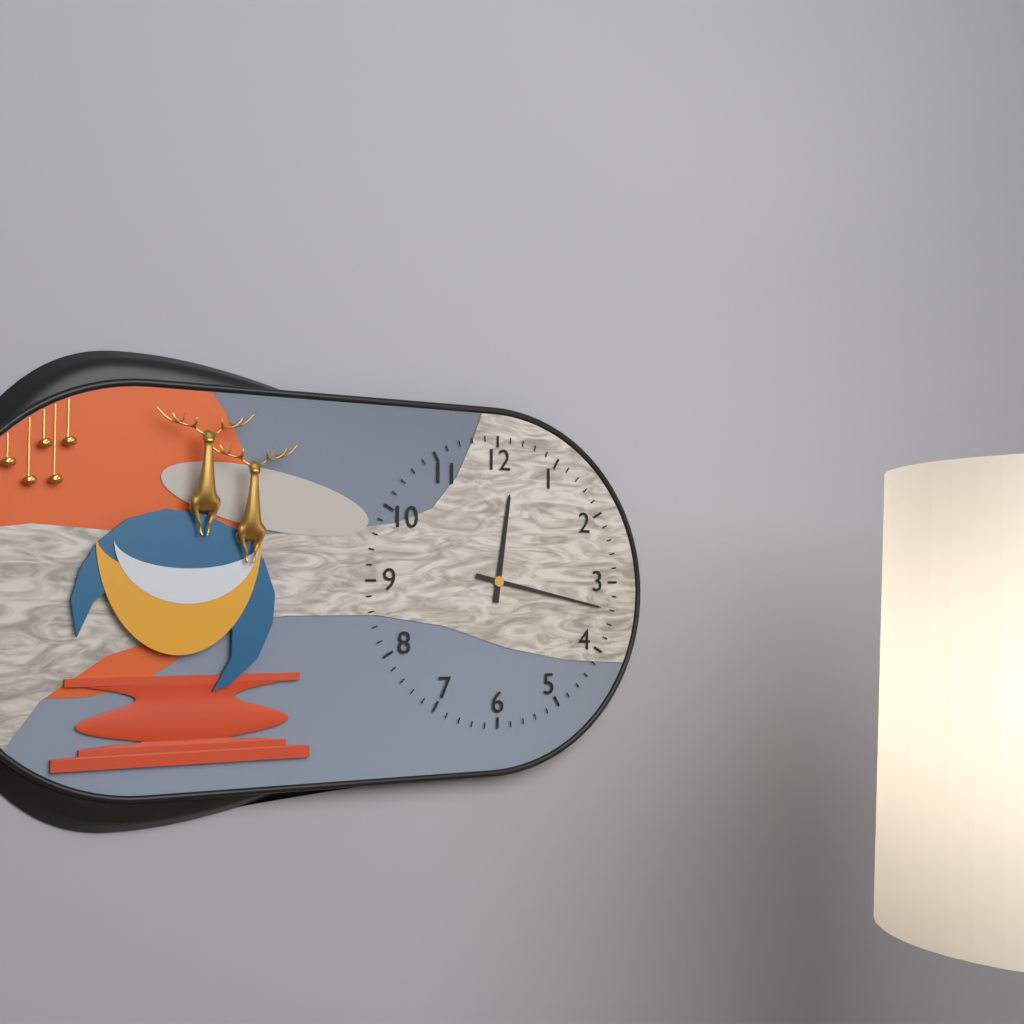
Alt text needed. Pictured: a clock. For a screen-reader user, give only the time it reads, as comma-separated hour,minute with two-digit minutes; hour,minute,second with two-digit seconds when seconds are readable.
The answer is 12,17
